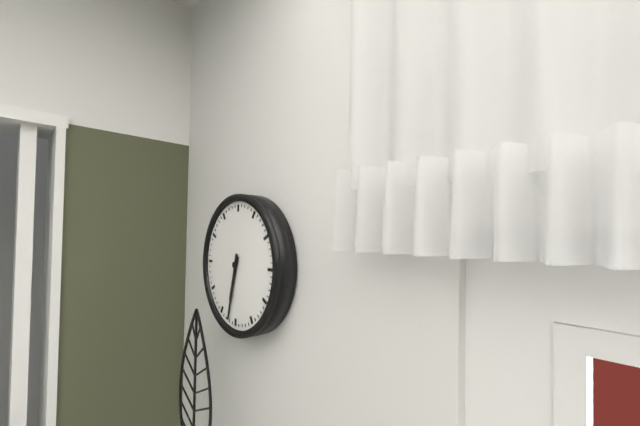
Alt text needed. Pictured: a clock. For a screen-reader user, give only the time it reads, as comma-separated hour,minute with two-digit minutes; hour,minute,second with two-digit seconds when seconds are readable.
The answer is 6,32
